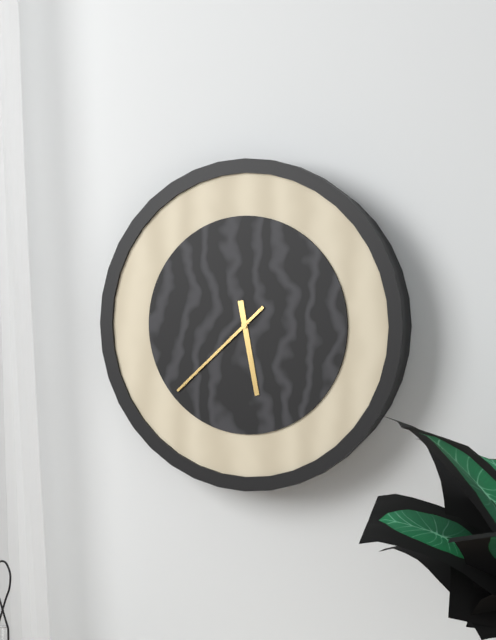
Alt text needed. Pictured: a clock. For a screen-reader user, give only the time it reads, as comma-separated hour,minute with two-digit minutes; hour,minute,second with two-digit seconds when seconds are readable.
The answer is 5,38
